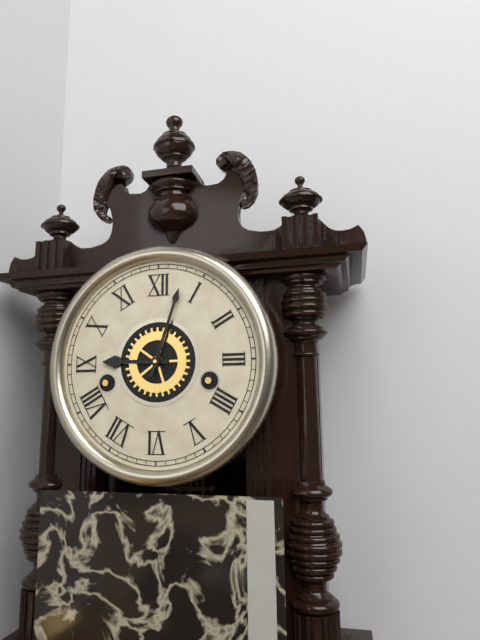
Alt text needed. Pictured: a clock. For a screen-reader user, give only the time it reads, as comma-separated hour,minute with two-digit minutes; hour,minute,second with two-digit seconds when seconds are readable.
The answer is 9,03
